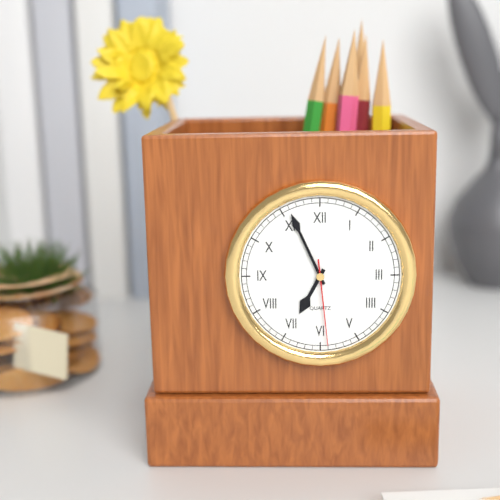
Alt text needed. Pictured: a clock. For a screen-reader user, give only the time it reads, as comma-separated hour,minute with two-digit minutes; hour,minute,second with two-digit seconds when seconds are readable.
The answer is 6,56,29
